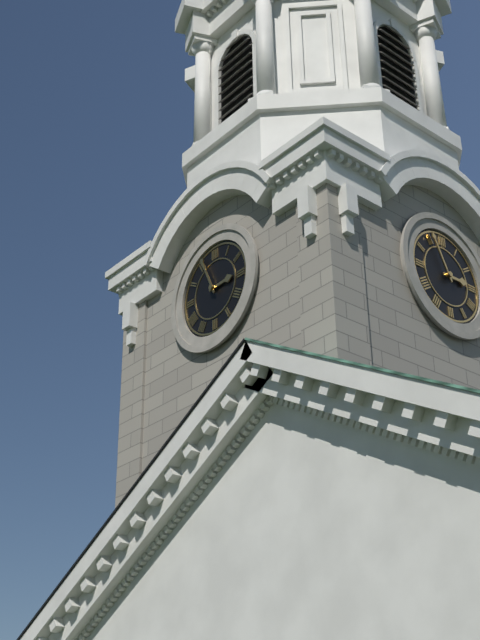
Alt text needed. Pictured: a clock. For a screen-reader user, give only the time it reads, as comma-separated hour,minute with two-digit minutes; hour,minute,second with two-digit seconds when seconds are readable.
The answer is 2,56
